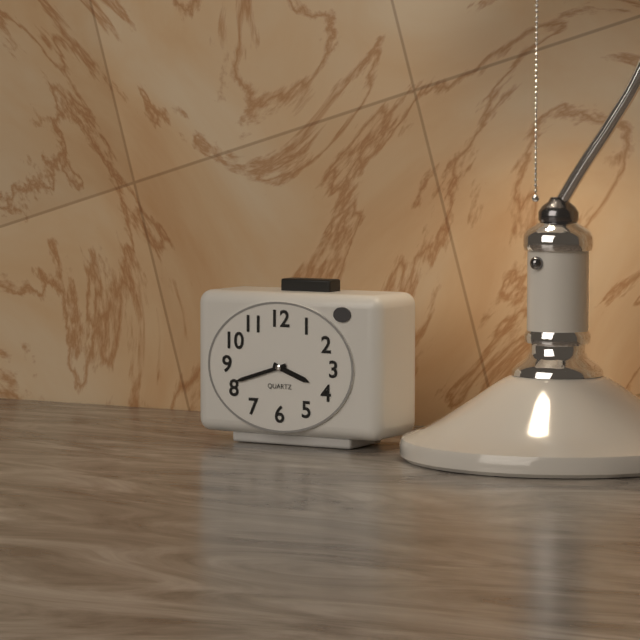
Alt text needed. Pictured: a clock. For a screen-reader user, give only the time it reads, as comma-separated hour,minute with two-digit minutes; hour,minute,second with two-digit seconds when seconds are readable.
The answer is 3,42
